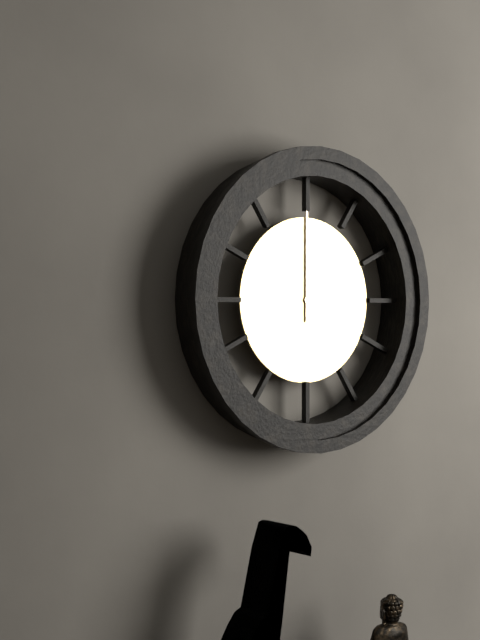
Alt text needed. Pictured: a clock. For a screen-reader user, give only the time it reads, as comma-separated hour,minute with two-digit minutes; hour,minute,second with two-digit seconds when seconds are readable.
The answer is 12,00
